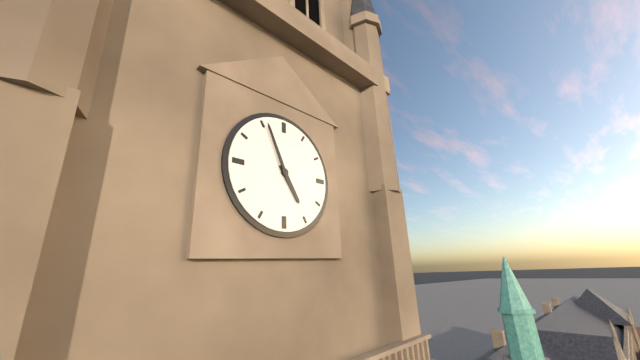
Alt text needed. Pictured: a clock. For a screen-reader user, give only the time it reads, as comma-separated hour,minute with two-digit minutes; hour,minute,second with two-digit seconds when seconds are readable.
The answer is 4,56
